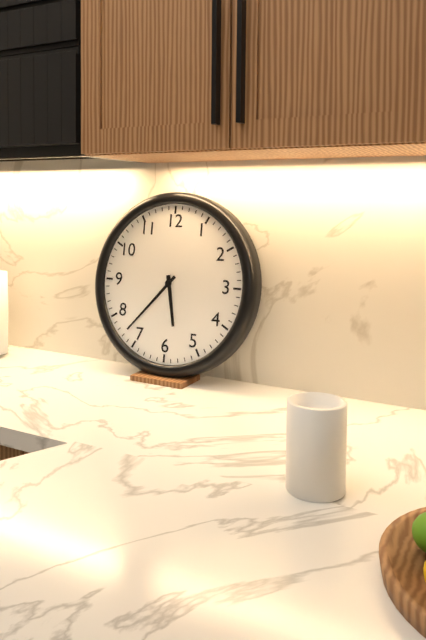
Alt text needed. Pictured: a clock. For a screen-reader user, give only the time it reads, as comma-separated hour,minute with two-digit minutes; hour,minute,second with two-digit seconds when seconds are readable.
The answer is 5,37
